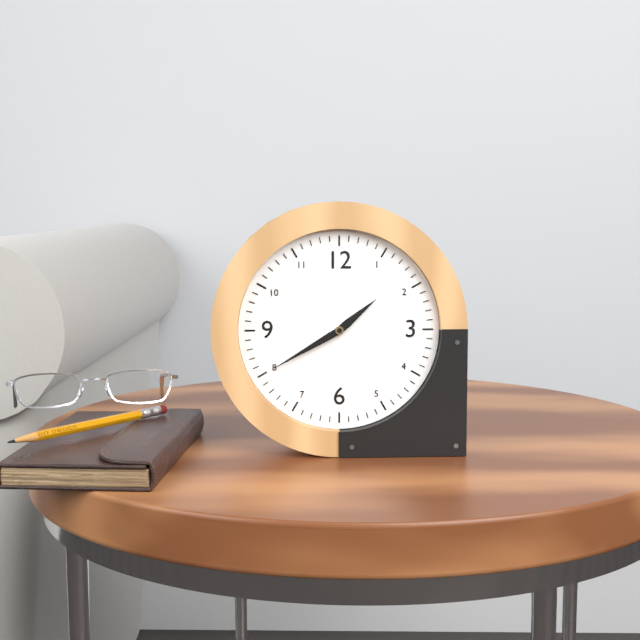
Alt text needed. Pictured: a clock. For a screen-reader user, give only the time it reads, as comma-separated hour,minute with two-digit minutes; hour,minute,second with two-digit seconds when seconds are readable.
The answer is 1,40
